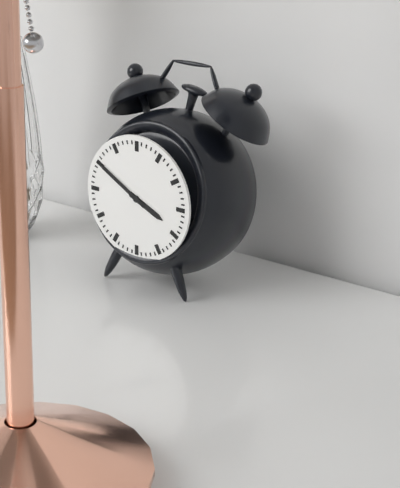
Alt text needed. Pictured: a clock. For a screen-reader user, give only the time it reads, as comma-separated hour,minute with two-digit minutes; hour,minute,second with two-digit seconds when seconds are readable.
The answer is 3,50
